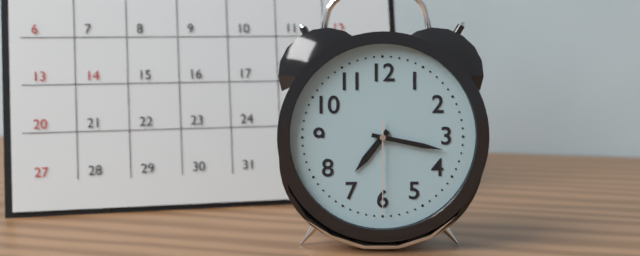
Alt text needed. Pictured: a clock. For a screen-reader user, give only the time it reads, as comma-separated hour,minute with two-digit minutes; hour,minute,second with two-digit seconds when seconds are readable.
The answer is 7,17,30
